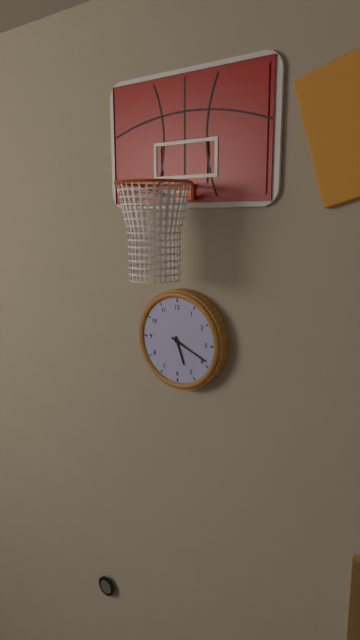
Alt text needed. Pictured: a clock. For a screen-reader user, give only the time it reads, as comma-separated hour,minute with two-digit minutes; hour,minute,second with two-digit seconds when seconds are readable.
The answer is 5,19
